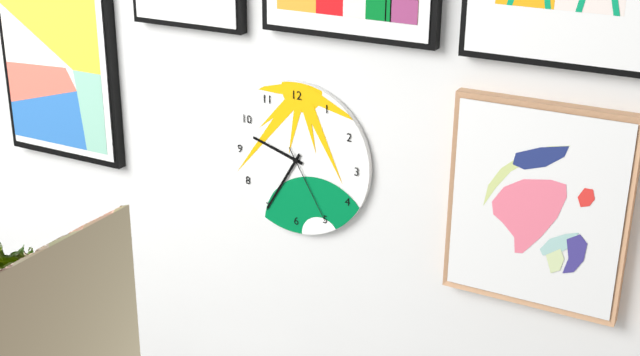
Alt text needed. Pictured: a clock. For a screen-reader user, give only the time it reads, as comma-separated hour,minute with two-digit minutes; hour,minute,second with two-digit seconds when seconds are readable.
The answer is 9,35,25
